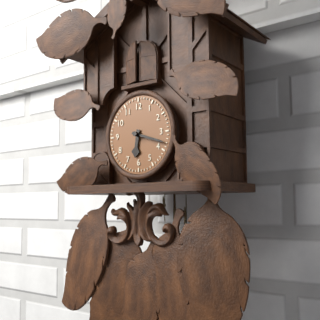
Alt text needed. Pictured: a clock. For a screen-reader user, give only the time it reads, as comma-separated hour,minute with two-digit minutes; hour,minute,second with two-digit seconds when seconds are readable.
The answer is 6,18
